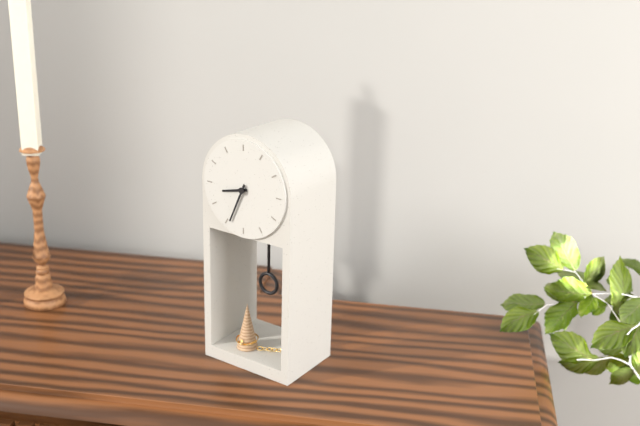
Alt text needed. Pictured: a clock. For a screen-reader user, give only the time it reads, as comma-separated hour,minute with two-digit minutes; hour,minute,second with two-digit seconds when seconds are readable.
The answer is 8,34
